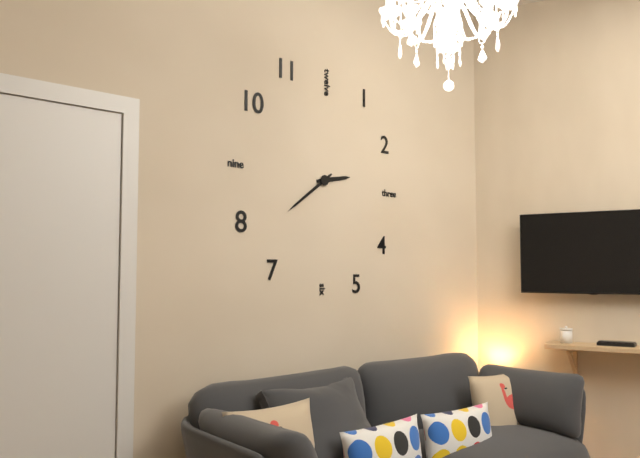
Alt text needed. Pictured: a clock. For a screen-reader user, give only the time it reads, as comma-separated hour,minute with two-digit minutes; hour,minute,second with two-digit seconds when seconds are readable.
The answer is 2,39
